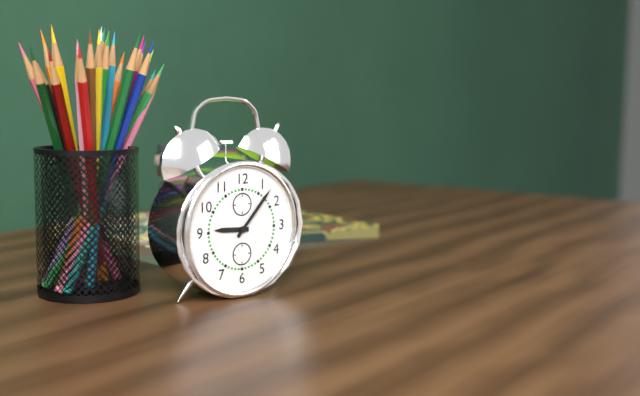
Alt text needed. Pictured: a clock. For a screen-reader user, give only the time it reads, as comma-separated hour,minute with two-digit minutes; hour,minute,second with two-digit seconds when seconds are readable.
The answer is 9,07
